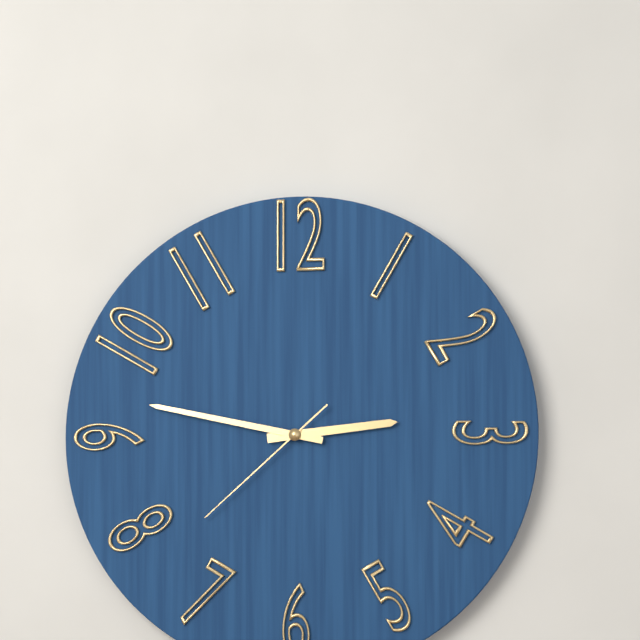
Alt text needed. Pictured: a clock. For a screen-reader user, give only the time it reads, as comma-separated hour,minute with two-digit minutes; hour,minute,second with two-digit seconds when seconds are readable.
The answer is 2,47,38
